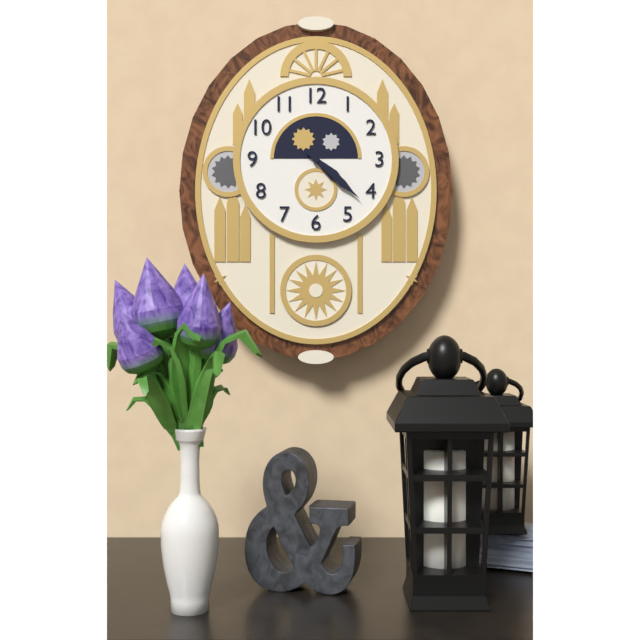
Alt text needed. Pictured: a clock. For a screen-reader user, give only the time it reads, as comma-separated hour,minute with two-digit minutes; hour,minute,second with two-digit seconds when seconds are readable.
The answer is 4,22
